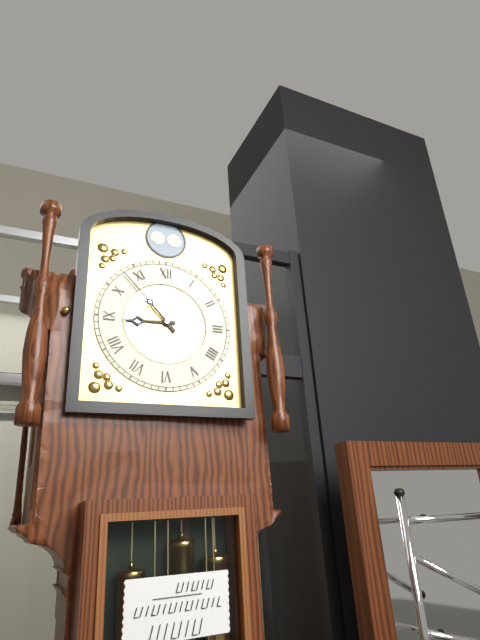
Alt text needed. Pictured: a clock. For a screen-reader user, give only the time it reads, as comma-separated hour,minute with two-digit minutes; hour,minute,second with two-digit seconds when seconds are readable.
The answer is 8,53
